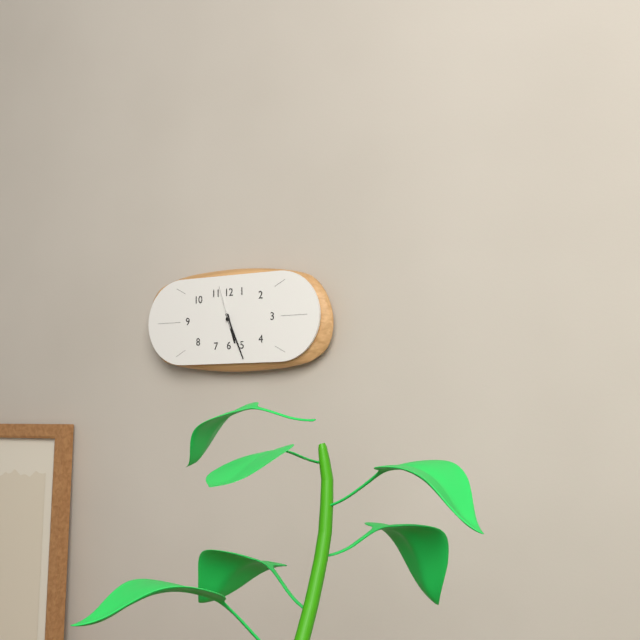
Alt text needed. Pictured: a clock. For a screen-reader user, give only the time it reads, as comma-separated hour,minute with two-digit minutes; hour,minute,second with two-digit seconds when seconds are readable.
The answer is 5,26
